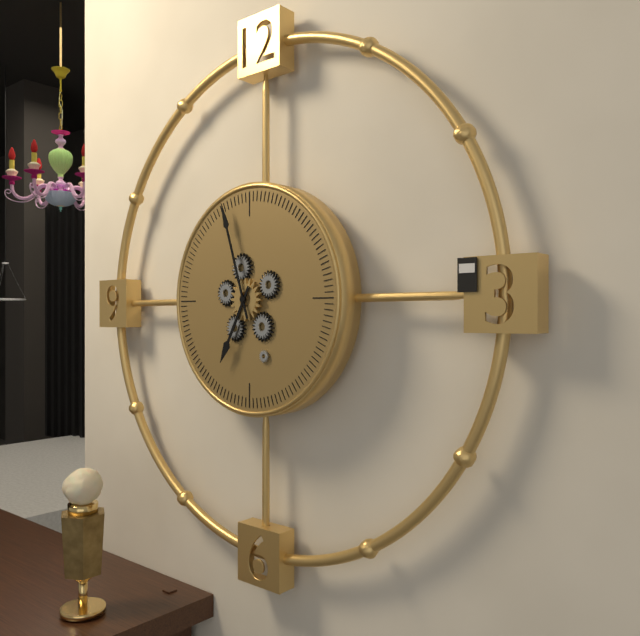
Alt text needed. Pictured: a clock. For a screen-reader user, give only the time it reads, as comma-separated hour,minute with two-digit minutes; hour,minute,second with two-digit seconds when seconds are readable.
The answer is 6,57
